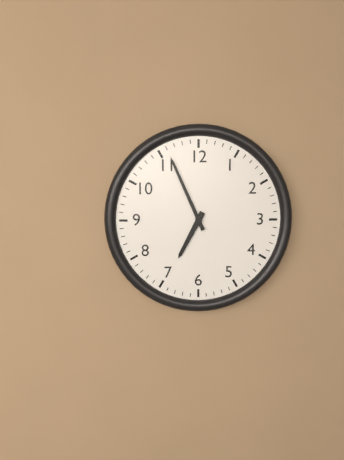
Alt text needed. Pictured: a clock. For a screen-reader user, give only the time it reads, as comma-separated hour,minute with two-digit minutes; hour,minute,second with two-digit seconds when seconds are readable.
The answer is 6,56
